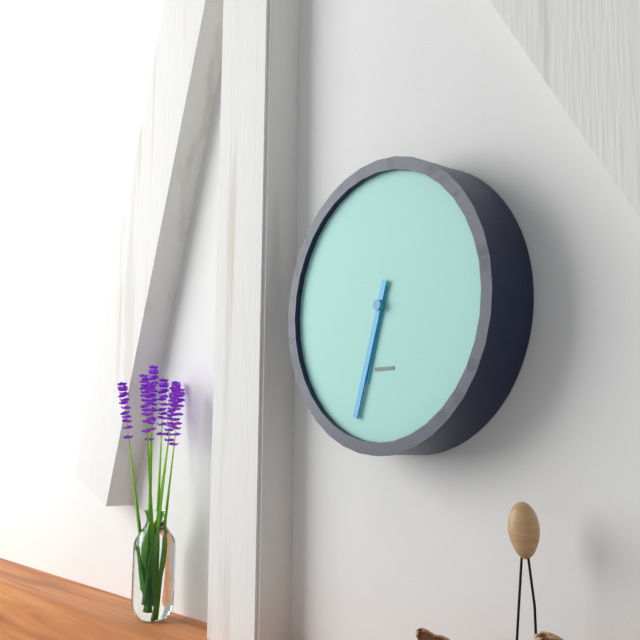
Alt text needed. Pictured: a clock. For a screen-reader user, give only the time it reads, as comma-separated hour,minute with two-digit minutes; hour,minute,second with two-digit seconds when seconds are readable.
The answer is 6,33
